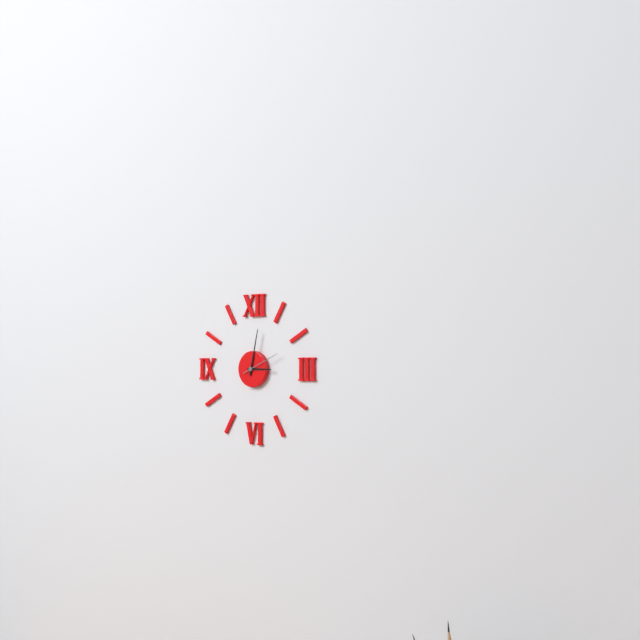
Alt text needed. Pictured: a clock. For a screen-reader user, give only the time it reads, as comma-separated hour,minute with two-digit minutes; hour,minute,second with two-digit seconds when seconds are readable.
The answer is 3,02
